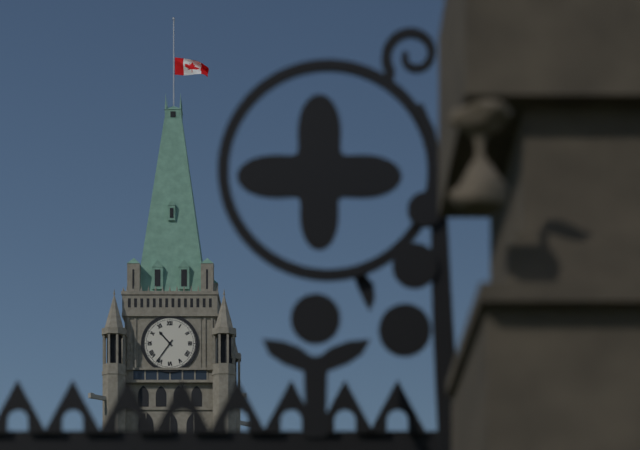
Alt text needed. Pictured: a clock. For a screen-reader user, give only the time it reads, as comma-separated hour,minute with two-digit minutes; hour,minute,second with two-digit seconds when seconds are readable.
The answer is 10,36
